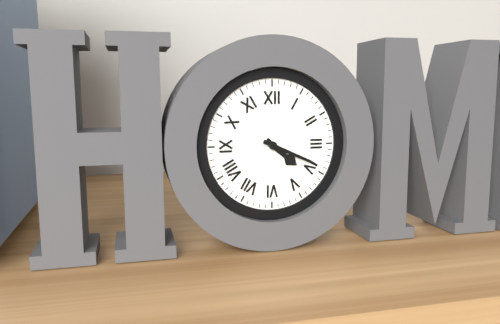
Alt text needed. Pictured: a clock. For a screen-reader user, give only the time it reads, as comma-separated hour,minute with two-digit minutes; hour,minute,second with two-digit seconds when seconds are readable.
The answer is 4,19
